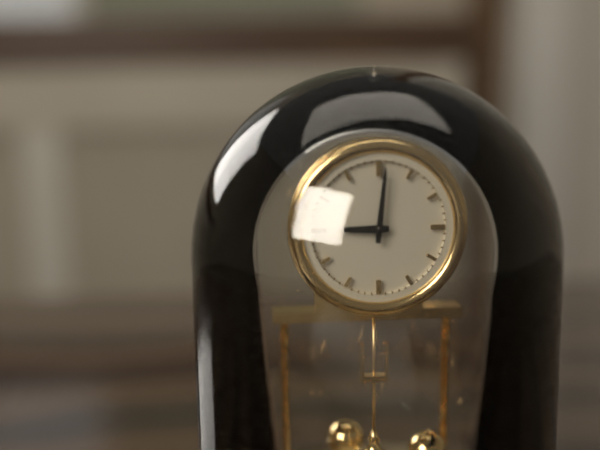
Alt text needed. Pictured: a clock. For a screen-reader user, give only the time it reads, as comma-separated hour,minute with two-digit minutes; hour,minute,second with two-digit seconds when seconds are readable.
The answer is 9,01
